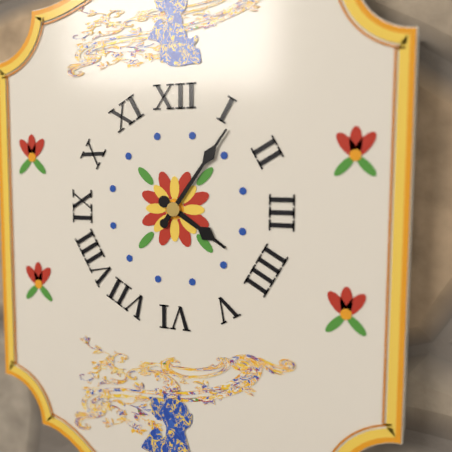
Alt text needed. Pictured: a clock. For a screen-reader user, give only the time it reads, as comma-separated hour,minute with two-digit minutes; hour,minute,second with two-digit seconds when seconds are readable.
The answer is 4,06
